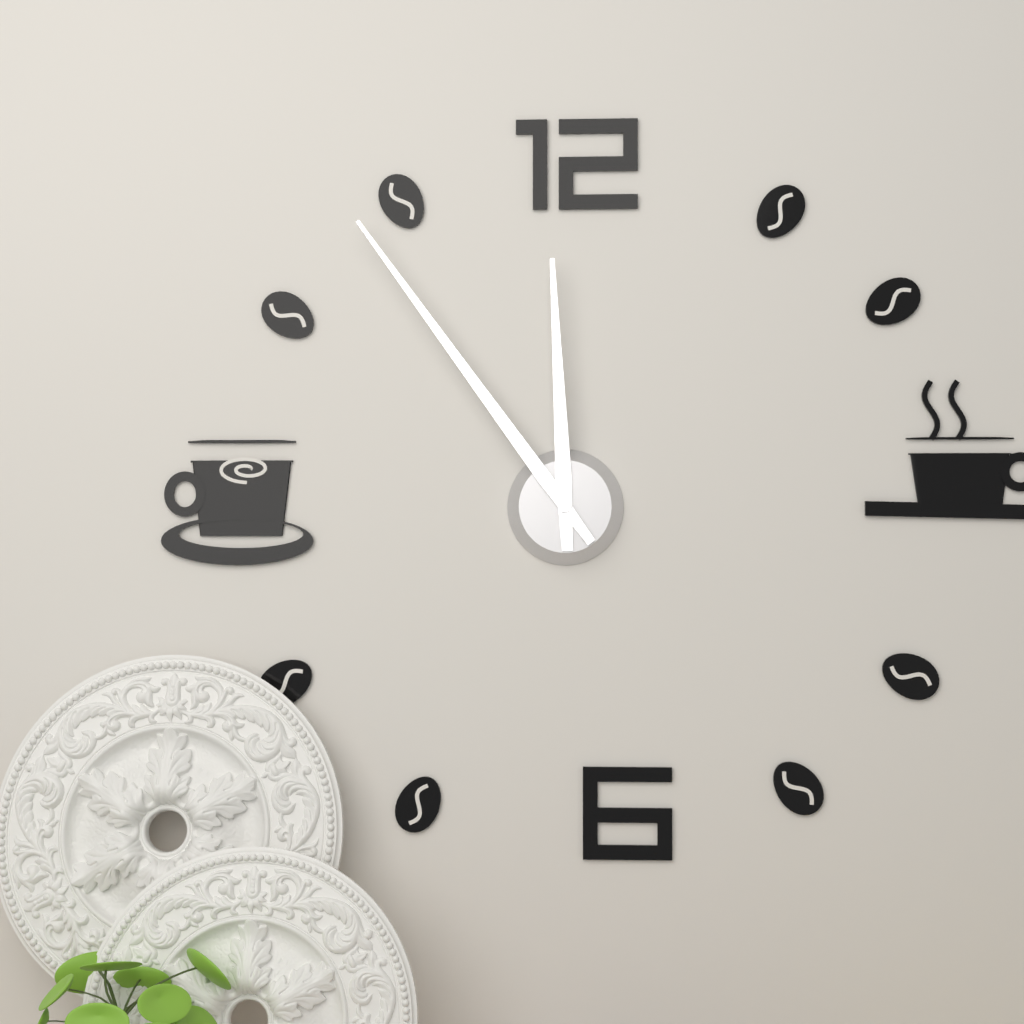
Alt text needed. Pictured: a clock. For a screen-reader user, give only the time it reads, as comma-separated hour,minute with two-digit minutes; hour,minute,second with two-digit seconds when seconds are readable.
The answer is 11,54
